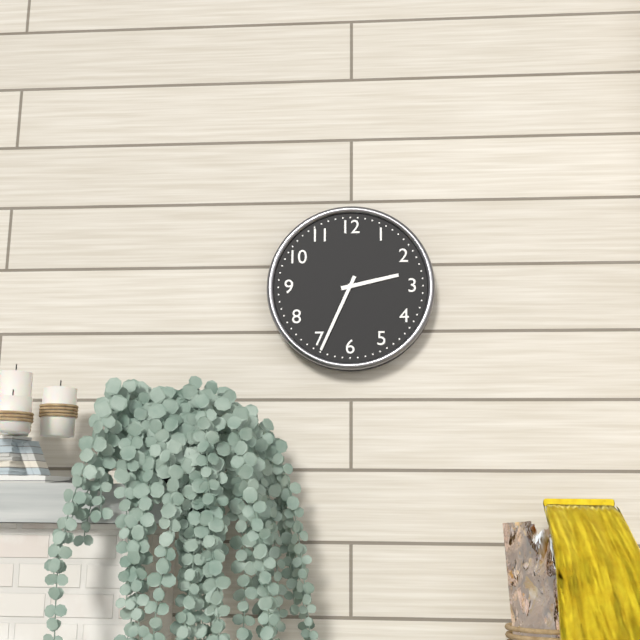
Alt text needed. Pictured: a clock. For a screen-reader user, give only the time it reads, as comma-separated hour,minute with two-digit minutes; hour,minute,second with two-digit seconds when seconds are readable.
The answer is 2,34
